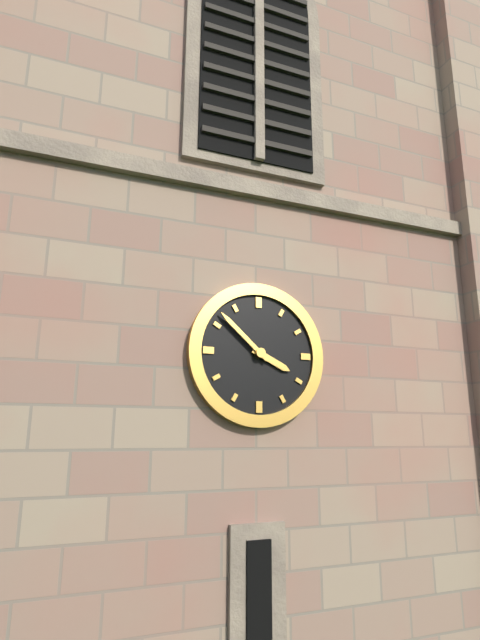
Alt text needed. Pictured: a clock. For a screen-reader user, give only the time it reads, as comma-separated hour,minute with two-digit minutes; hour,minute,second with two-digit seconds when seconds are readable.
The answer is 3,52
